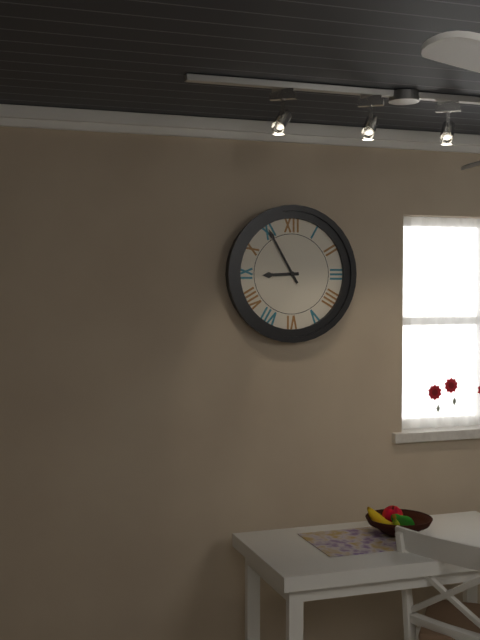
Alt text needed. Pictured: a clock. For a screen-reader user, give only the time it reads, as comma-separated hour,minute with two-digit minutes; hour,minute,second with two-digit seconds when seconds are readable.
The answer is 8,55
